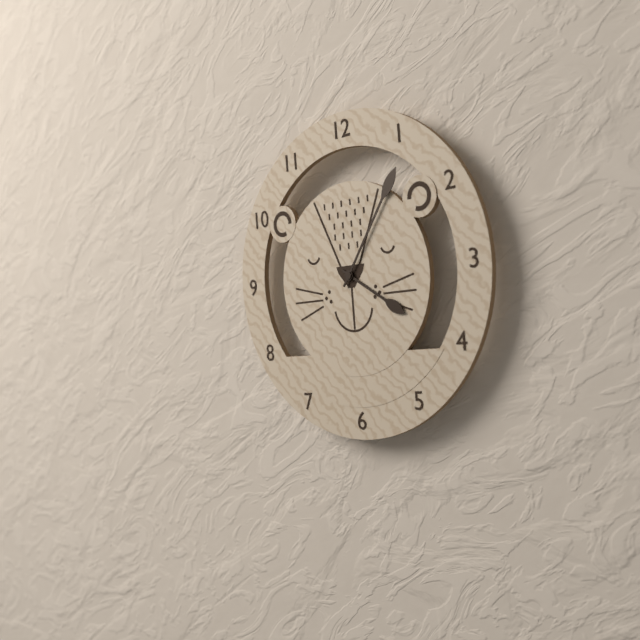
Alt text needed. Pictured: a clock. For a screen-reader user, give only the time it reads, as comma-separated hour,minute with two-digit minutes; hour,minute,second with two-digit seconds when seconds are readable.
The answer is 4,06
